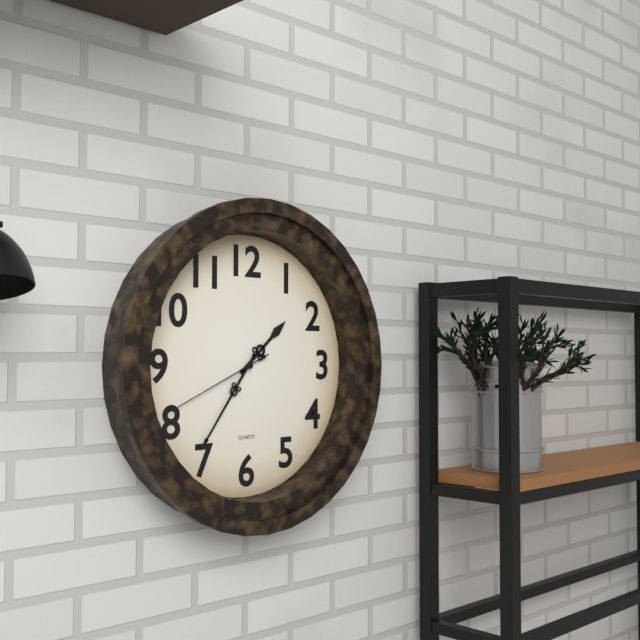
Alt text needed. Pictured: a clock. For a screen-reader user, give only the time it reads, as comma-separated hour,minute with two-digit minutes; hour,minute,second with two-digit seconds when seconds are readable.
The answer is 1,36,41
